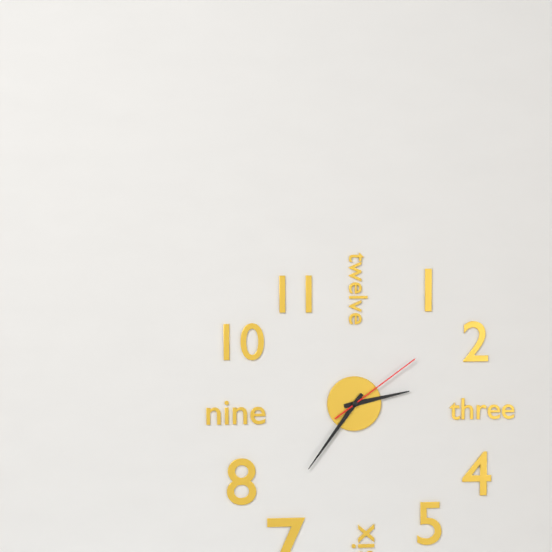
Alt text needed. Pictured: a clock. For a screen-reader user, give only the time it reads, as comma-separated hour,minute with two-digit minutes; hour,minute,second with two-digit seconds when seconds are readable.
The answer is 2,36,09
